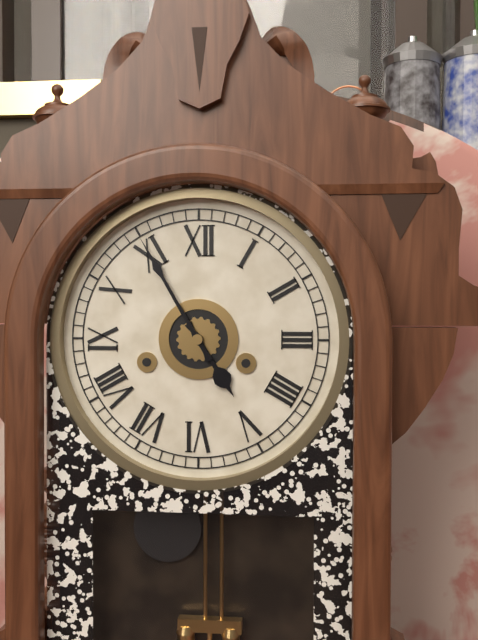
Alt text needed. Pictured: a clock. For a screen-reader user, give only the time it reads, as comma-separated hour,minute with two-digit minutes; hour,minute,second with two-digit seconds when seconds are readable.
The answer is 4,55
